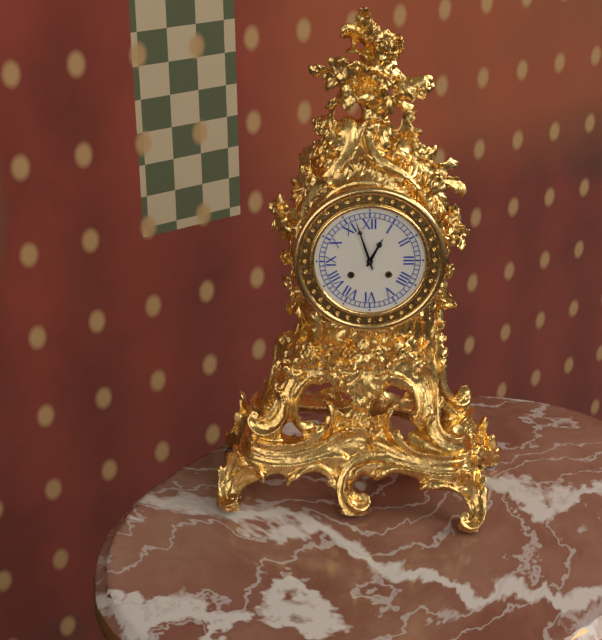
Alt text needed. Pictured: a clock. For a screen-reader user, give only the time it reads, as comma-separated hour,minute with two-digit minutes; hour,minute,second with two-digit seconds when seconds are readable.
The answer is 12,57
